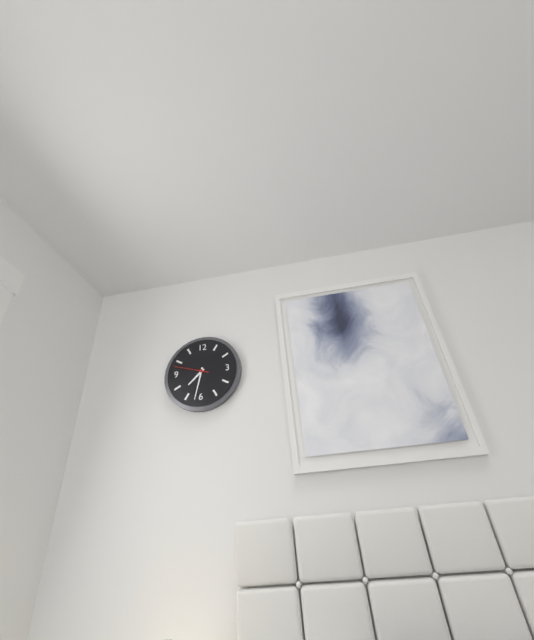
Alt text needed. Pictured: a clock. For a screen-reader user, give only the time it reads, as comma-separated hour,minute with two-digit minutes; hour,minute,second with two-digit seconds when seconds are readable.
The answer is 7,32
